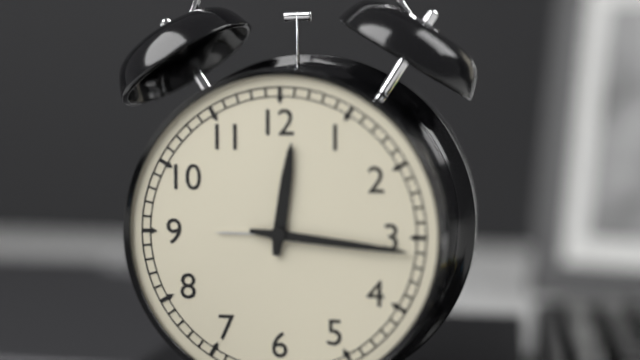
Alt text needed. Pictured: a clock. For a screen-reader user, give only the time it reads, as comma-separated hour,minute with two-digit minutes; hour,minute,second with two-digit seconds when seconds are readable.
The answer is 12,16
